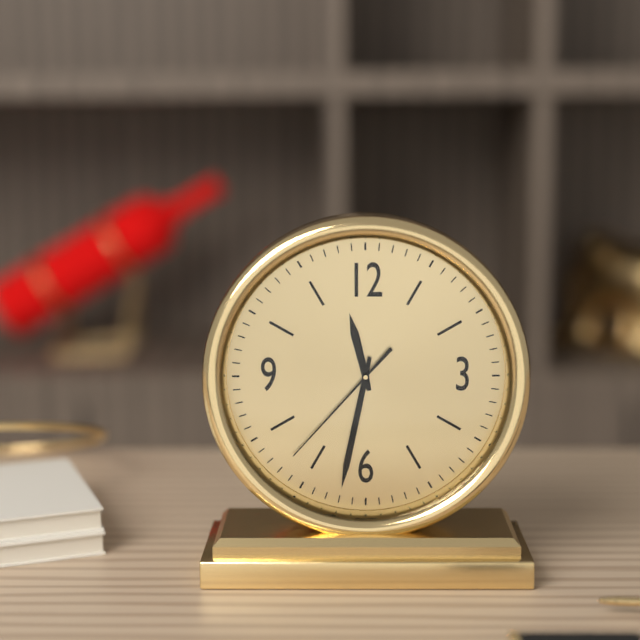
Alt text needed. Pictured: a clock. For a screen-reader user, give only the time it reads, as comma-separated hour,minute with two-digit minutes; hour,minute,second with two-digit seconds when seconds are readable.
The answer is 11,32,37
